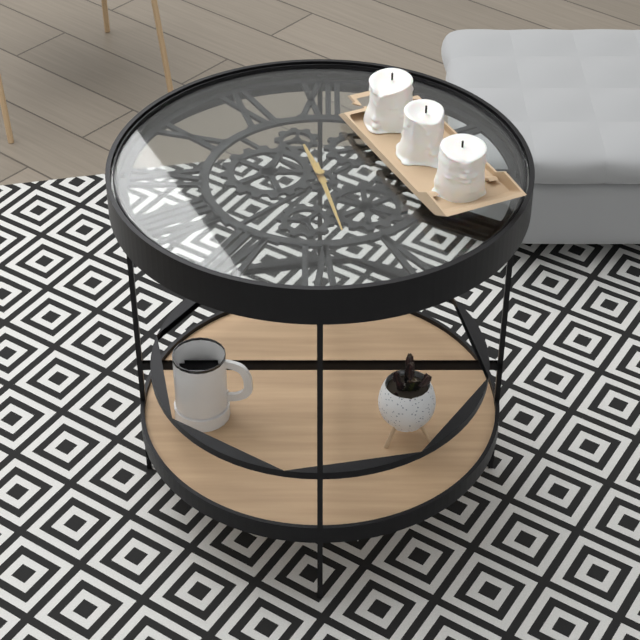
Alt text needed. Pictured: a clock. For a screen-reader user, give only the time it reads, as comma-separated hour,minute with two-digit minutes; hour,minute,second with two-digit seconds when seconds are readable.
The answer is 11,28
